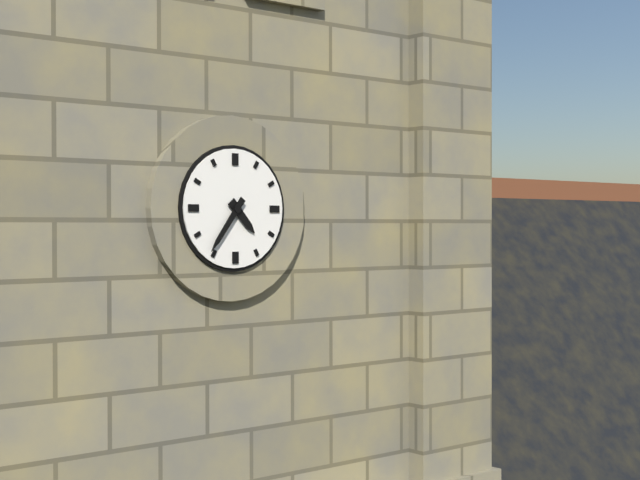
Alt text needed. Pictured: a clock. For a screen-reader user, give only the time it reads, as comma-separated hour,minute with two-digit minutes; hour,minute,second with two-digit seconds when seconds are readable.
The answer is 4,36
